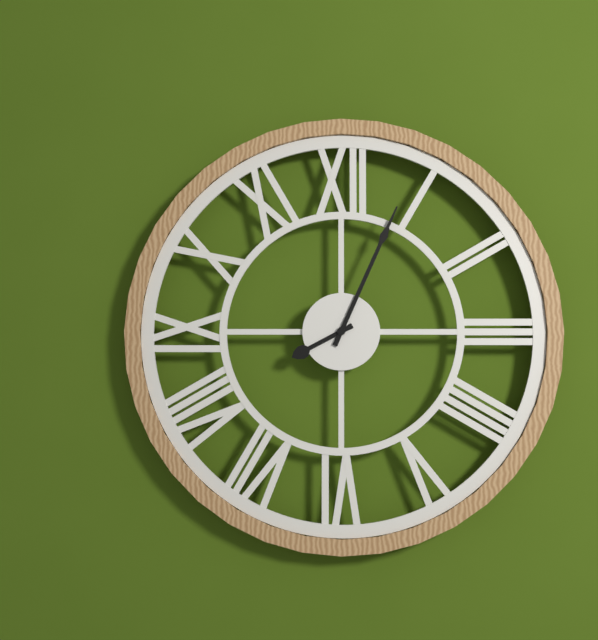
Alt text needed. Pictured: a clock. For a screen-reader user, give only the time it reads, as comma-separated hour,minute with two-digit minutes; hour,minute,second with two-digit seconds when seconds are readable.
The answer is 8,04
